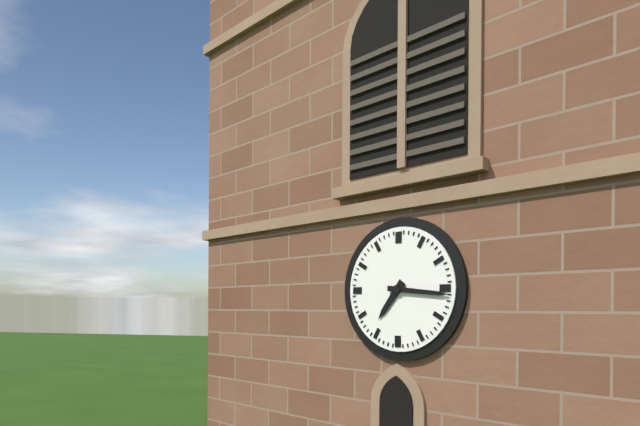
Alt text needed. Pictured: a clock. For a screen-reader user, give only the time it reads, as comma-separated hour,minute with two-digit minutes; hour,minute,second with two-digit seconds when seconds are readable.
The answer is 7,16
